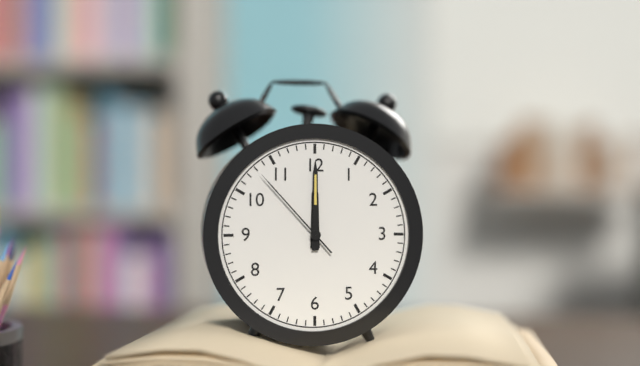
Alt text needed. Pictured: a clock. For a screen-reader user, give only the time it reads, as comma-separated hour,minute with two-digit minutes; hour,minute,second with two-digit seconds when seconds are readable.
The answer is 12,00,53
